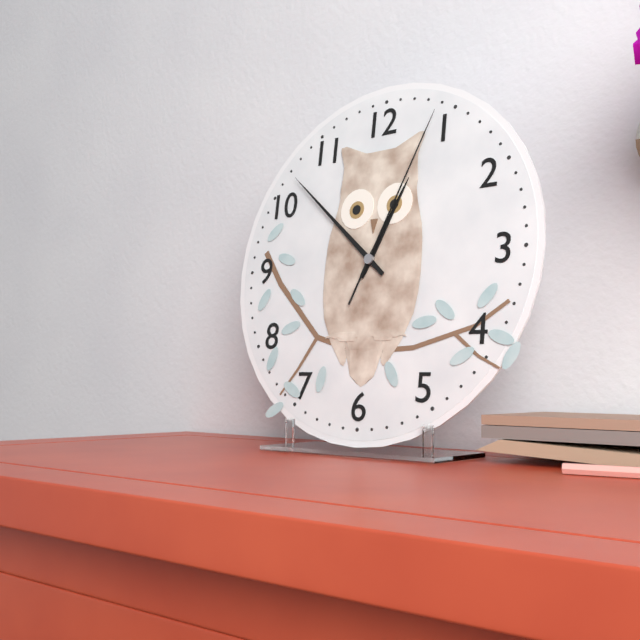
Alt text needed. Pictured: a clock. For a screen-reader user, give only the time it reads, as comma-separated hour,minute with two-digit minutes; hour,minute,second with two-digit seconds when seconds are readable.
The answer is 12,52,04
